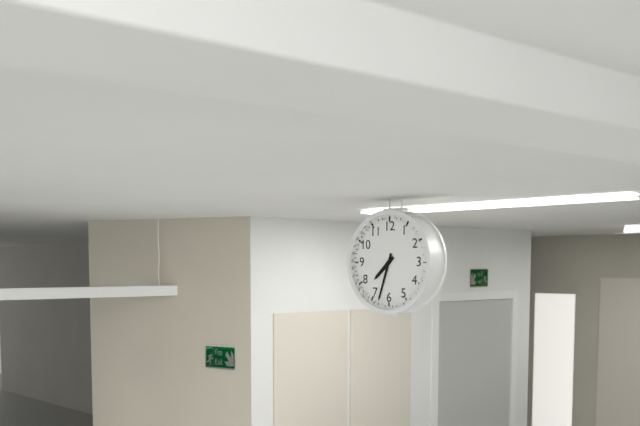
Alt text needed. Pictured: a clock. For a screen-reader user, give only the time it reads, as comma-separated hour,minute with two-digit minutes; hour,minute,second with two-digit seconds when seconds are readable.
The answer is 7,33
